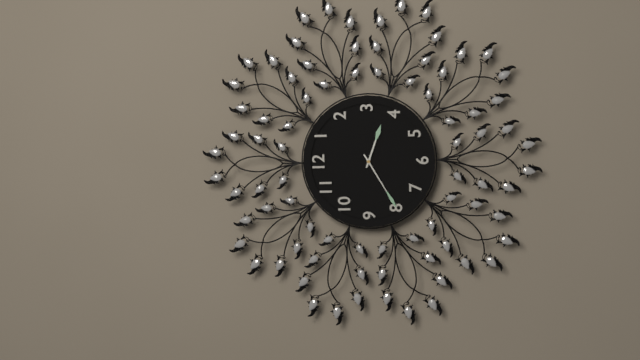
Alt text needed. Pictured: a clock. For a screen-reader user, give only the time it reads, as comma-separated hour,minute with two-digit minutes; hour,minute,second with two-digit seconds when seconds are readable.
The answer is 3,40
